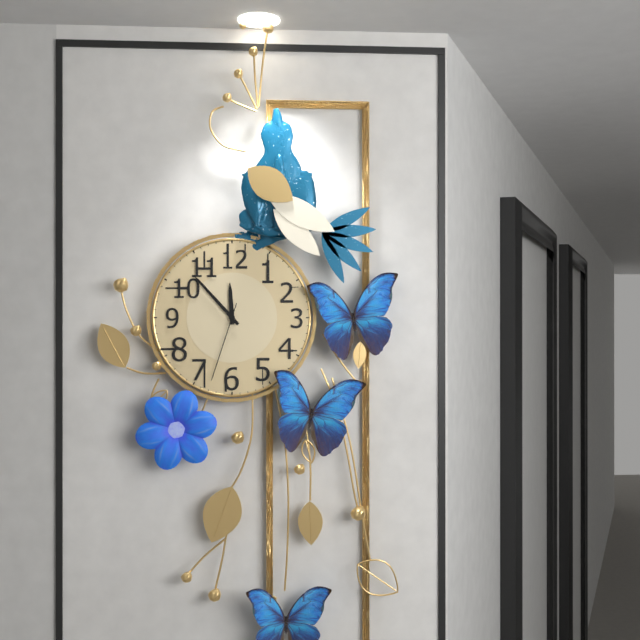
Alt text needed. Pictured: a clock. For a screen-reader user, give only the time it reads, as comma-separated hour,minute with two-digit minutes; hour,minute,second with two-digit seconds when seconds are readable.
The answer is 11,53,33
